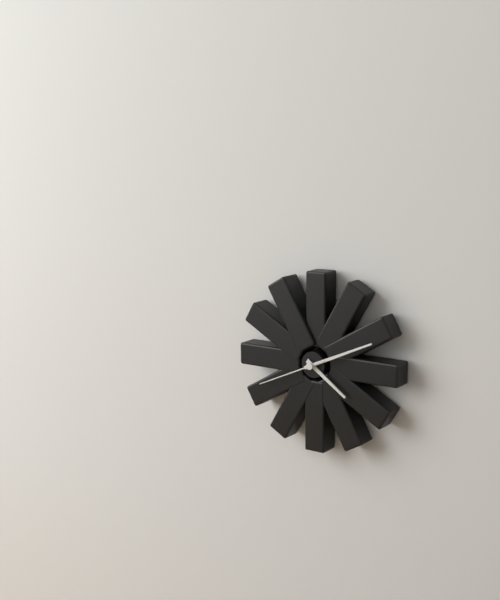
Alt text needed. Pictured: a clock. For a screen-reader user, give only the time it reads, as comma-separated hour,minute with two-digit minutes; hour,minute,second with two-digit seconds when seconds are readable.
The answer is 4,11,41
